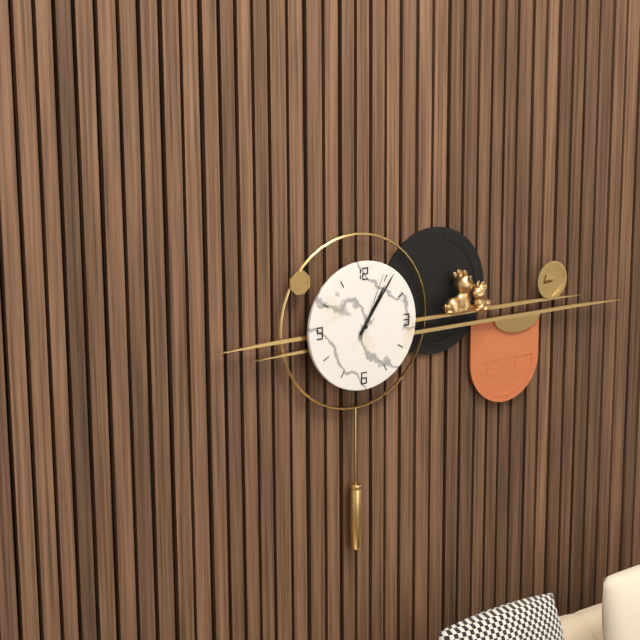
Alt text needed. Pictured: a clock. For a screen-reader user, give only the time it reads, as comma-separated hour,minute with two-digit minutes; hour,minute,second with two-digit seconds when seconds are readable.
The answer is 1,06,04
